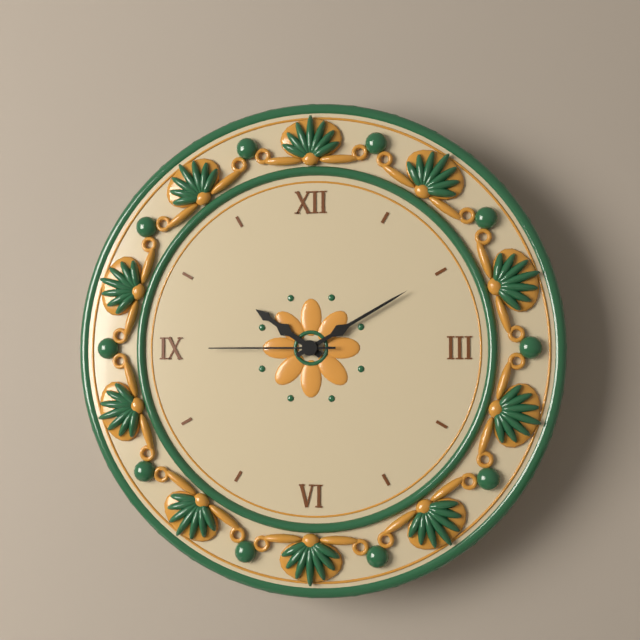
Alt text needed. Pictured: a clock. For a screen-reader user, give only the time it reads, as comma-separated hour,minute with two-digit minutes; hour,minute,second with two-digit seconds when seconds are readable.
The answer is 10,10,45
